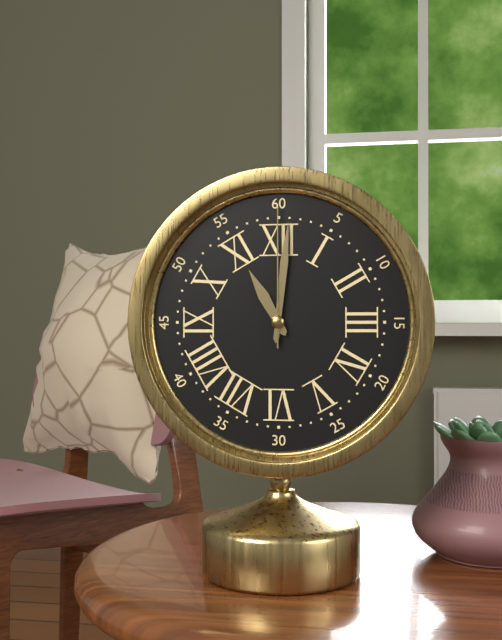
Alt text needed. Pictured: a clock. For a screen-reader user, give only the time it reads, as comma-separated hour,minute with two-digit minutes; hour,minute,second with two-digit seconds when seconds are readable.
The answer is 11,01,00
